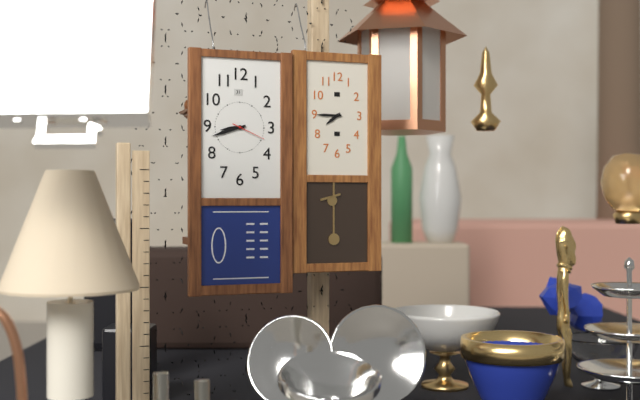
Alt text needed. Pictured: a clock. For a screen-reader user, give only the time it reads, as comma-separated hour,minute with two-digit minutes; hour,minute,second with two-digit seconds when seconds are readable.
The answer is 8,42
